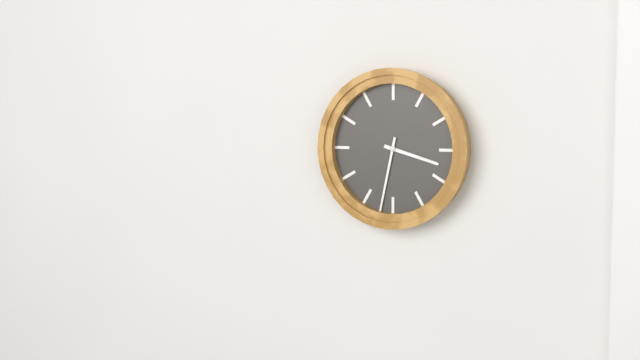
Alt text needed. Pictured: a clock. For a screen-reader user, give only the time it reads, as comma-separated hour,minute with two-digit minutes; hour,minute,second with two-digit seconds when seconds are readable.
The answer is 3,32
